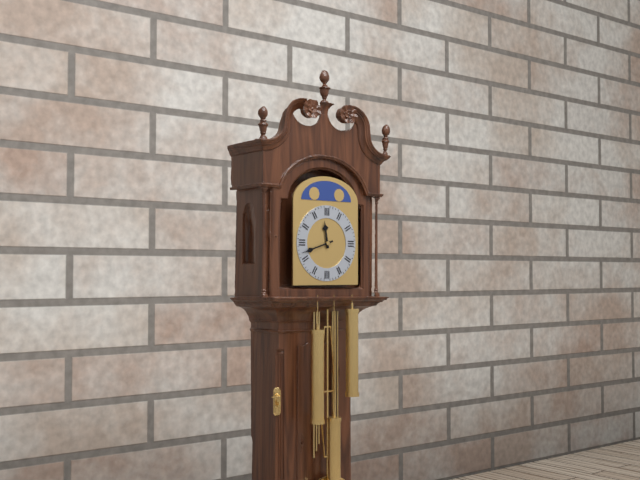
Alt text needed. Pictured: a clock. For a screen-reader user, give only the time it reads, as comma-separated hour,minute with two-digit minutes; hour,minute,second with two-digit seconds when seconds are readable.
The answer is 11,42
